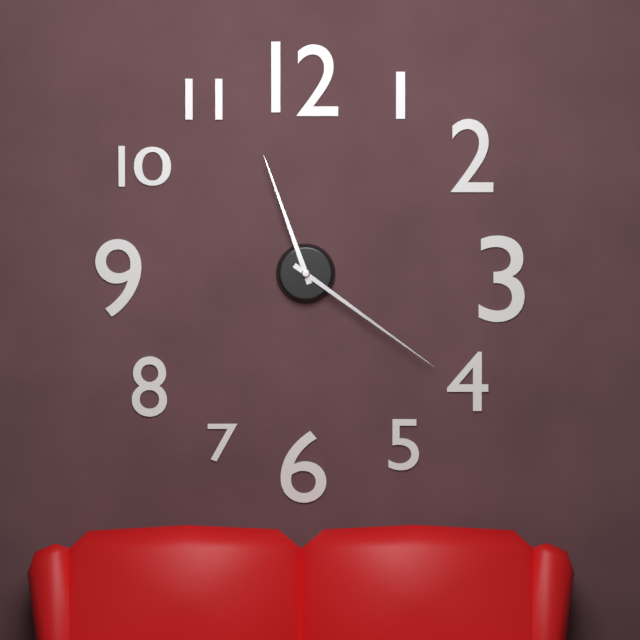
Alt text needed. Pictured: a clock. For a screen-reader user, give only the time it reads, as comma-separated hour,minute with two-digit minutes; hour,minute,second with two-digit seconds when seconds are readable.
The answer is 11,21
